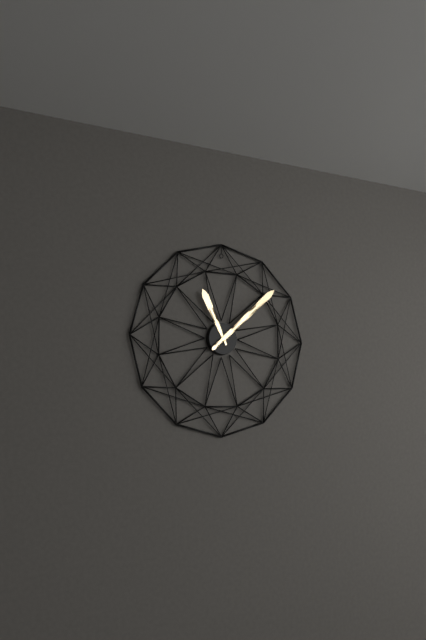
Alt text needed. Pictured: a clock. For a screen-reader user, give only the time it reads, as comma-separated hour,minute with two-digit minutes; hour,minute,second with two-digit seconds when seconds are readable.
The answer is 11,08
